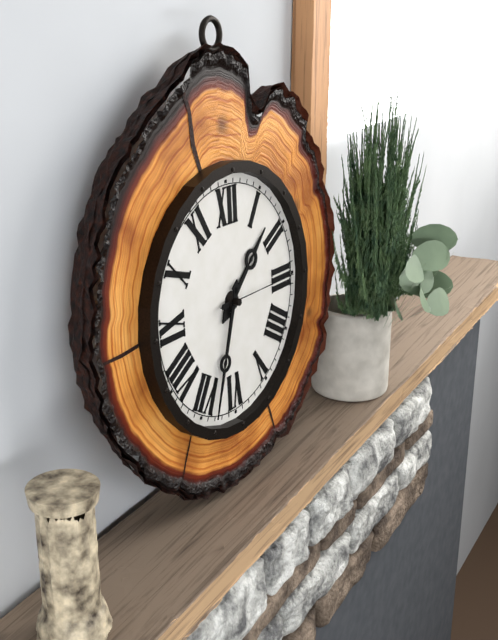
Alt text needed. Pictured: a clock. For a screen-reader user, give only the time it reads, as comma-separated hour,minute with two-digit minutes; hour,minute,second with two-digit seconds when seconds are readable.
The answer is 1,33,15
